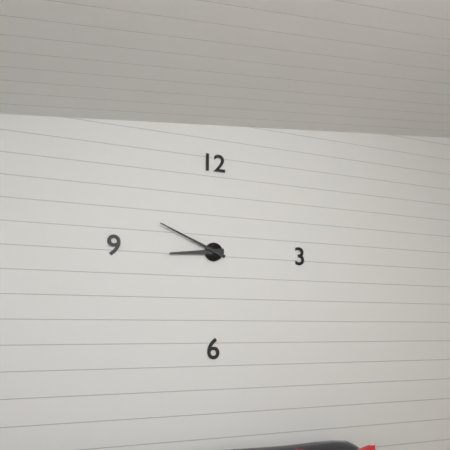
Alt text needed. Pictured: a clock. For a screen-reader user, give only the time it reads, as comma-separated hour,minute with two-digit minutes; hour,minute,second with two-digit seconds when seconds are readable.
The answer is 8,49
